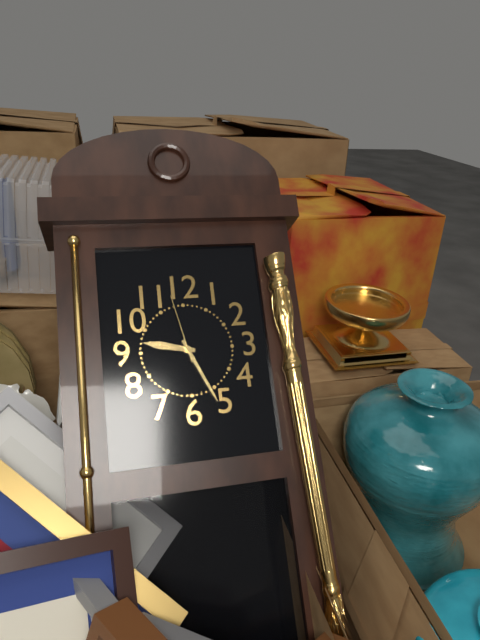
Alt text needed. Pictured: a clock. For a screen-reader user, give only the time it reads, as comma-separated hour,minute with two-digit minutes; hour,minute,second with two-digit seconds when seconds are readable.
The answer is 9,26,58
